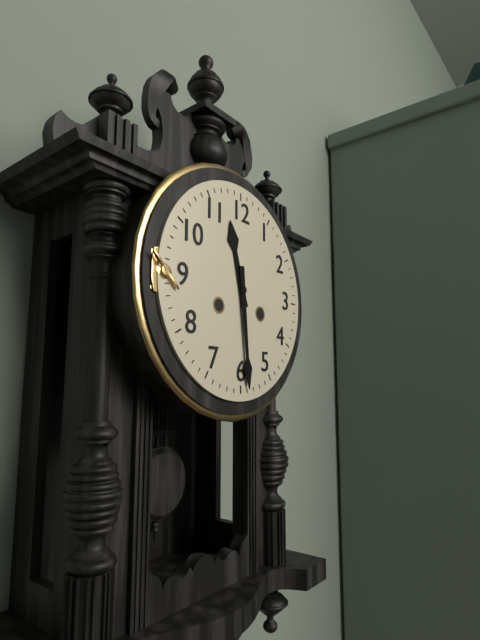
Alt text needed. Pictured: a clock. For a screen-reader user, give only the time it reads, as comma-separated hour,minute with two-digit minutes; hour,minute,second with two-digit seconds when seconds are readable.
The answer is 11,29
